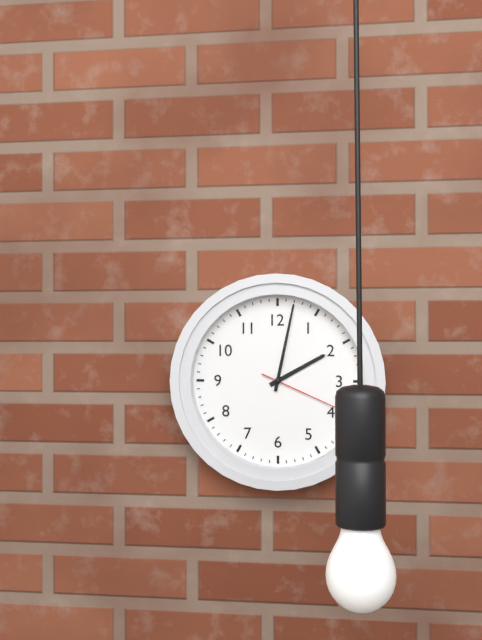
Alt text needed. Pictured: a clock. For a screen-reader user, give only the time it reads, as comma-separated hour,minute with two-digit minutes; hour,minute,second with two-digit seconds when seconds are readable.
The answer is 2,02,19
